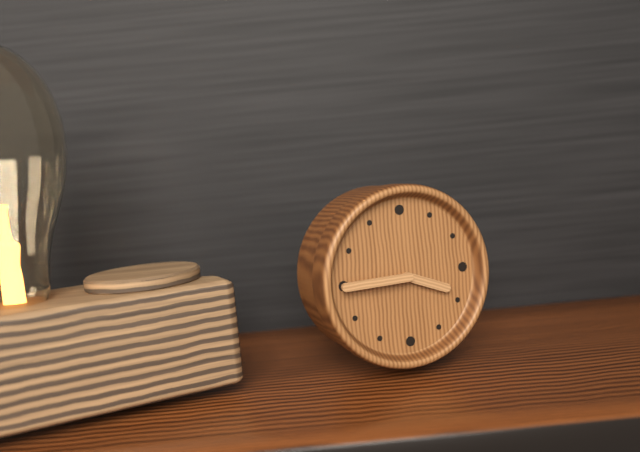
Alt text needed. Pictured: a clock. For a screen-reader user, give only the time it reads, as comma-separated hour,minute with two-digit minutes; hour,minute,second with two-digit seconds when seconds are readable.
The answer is 3,45
